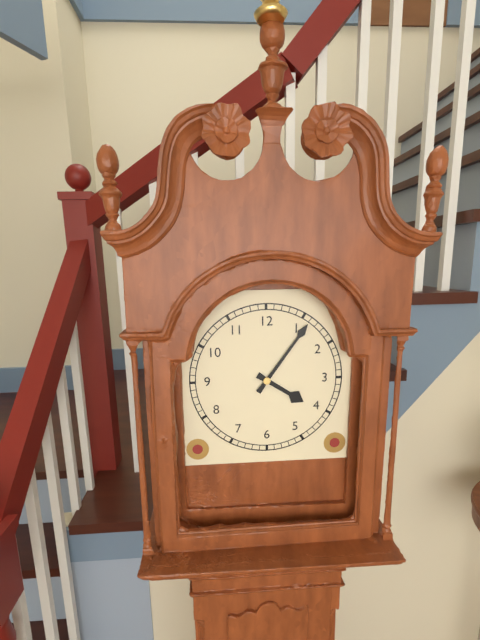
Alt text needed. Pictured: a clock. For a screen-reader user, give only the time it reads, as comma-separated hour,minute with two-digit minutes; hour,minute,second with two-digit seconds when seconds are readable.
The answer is 4,06
